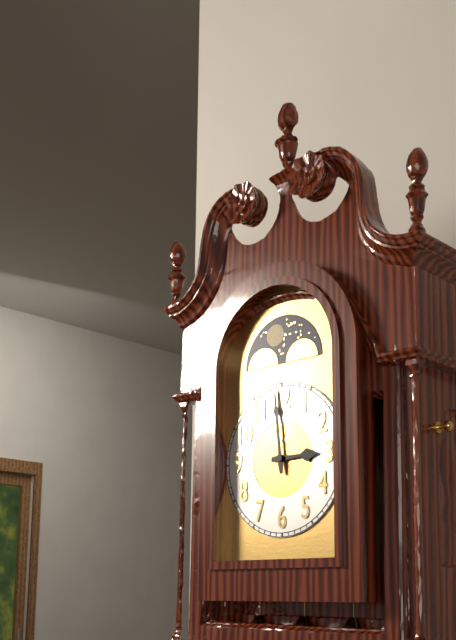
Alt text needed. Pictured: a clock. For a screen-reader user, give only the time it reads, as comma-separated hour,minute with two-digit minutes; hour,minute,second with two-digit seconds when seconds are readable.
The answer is 2,59
